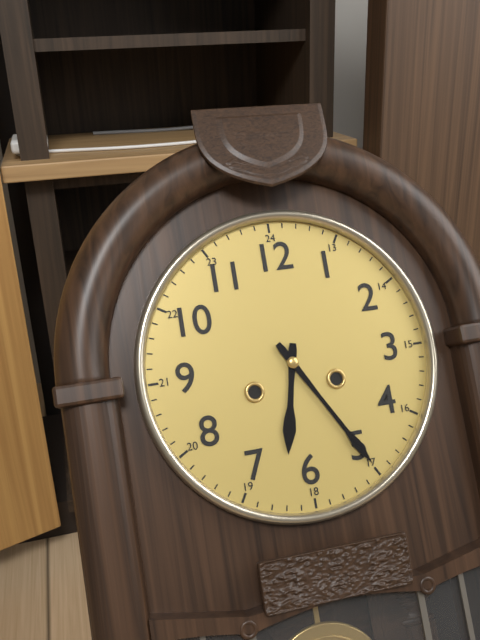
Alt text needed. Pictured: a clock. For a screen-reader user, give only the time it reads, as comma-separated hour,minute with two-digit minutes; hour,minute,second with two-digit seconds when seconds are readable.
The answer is 6,25
